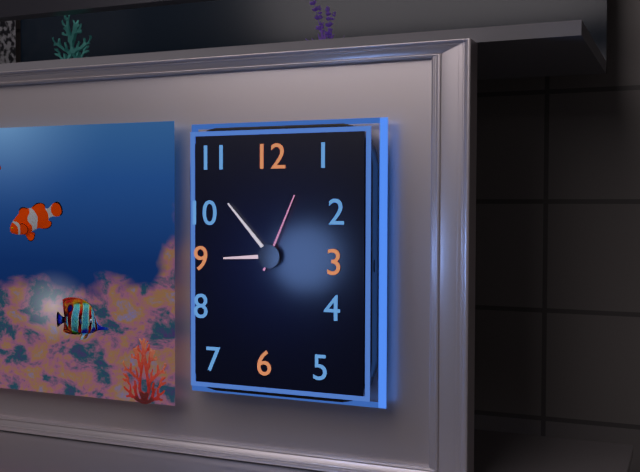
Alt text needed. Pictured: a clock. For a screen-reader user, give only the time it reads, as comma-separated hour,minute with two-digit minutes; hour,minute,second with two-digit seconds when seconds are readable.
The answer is 8,53,04
